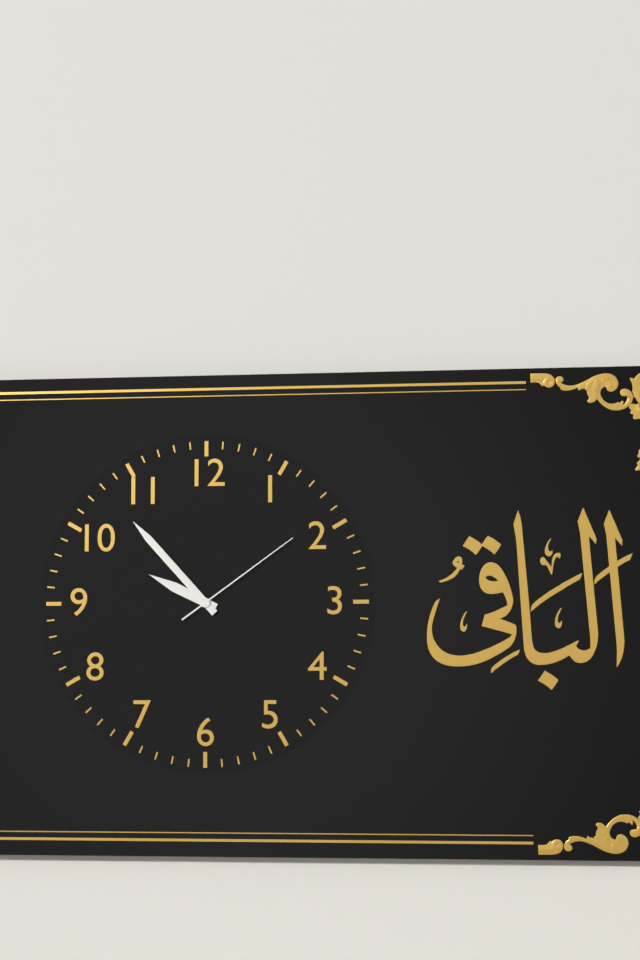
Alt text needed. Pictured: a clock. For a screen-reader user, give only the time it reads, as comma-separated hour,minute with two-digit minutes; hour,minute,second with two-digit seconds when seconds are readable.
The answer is 9,53,09
